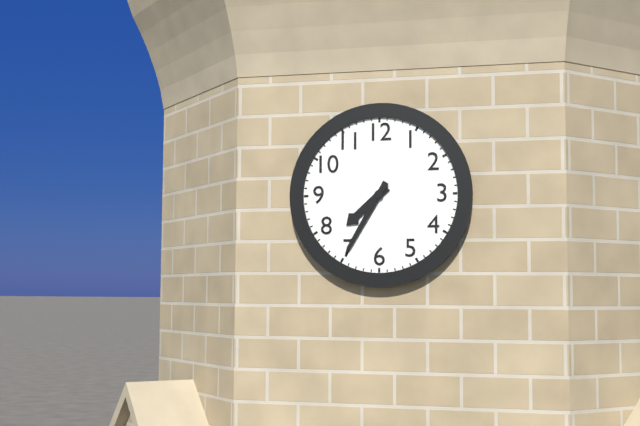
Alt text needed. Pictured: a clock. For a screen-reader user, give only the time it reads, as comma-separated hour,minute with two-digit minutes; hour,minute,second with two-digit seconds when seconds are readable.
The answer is 7,35
